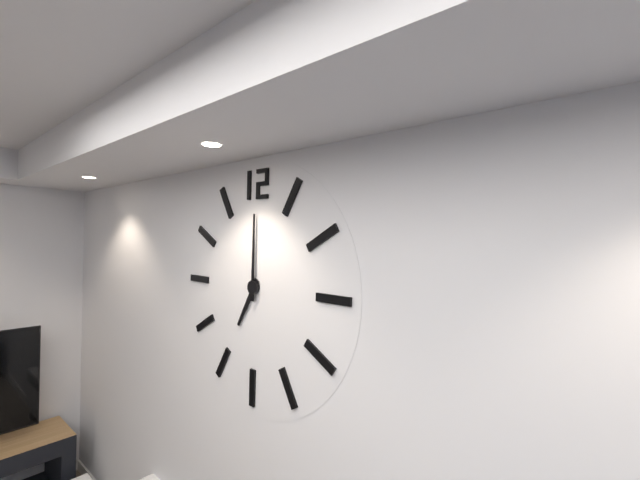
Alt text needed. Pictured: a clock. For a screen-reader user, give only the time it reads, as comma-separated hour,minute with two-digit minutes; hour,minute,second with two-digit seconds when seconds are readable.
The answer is 7,00
